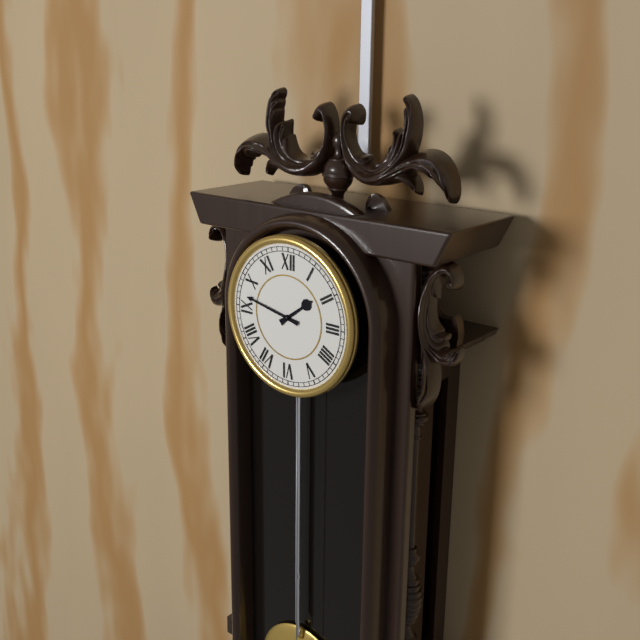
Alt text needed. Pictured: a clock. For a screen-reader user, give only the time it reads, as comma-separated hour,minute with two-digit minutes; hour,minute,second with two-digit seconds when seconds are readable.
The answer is 1,47
